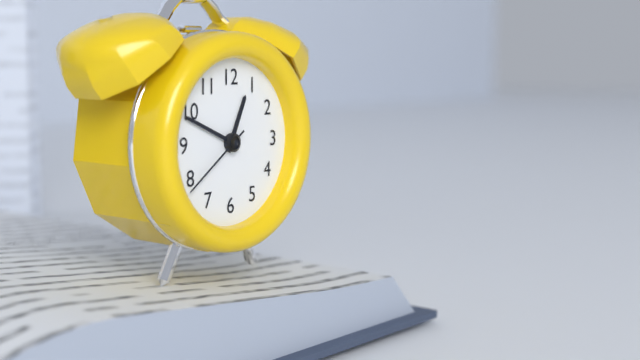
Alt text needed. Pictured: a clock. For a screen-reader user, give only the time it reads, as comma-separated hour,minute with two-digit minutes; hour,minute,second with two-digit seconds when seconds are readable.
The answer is 12,49,39
